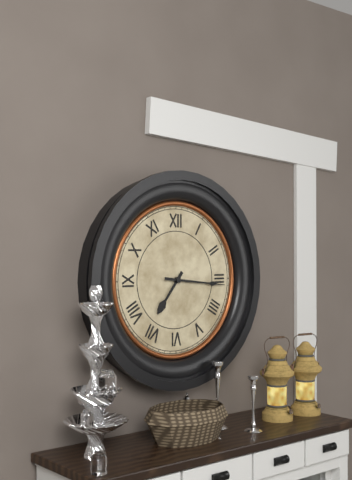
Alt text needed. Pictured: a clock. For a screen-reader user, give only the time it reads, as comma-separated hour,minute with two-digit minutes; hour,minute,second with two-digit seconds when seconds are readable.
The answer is 7,16
